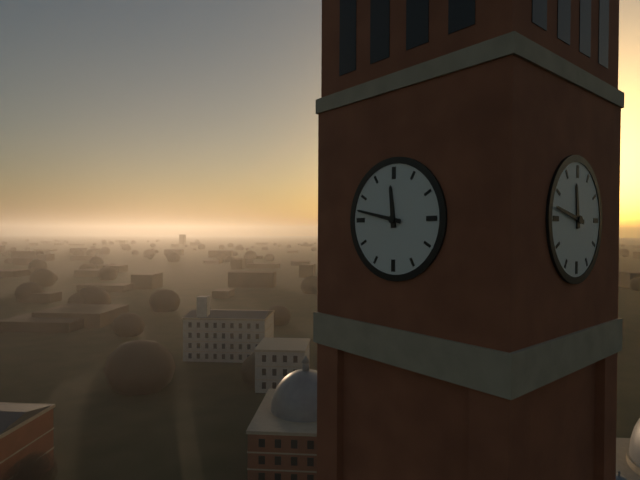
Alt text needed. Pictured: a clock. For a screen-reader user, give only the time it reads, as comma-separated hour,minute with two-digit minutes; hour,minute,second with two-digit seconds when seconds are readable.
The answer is 11,47
